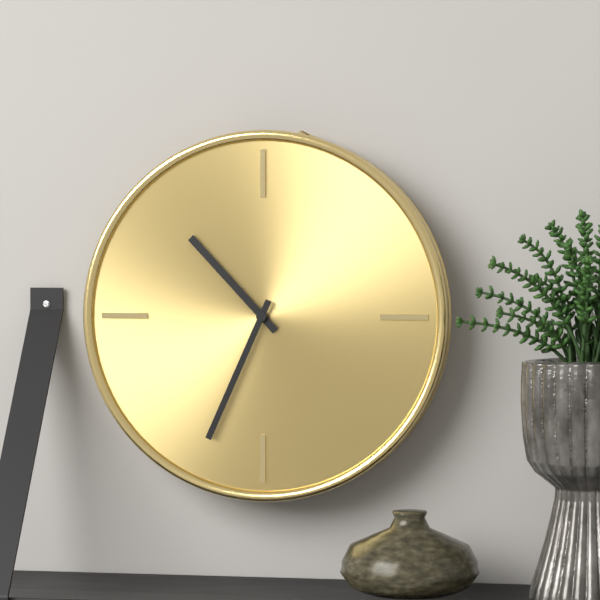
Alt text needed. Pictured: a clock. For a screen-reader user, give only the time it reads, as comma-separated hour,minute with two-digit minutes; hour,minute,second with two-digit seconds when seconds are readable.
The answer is 10,34
